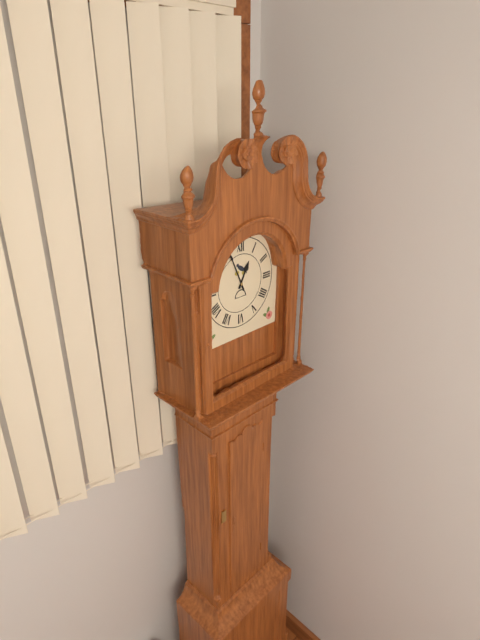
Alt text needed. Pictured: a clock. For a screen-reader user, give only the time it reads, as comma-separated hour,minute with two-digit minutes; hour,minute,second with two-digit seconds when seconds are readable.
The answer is 12,56
